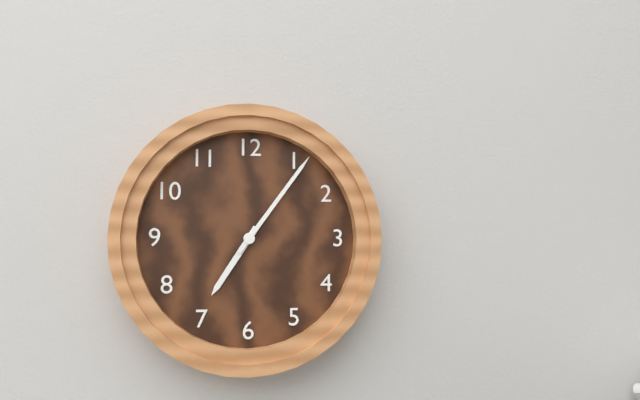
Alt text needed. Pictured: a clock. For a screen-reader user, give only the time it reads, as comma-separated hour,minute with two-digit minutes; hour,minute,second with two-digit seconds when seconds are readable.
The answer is 7,06
